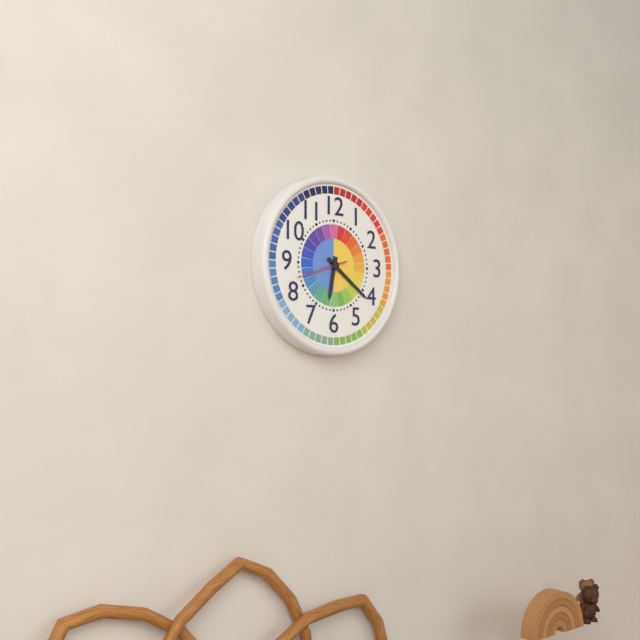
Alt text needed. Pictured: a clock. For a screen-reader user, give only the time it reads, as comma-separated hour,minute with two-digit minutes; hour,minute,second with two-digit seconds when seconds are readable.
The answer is 6,21
